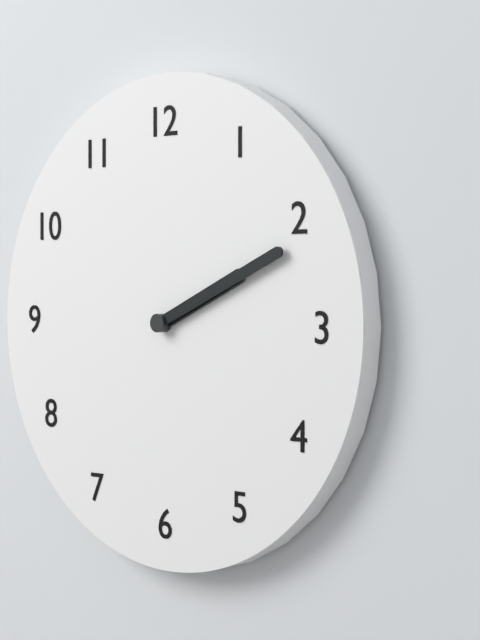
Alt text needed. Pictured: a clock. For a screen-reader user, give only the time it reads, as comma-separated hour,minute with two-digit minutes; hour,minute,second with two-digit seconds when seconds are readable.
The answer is 2,11
